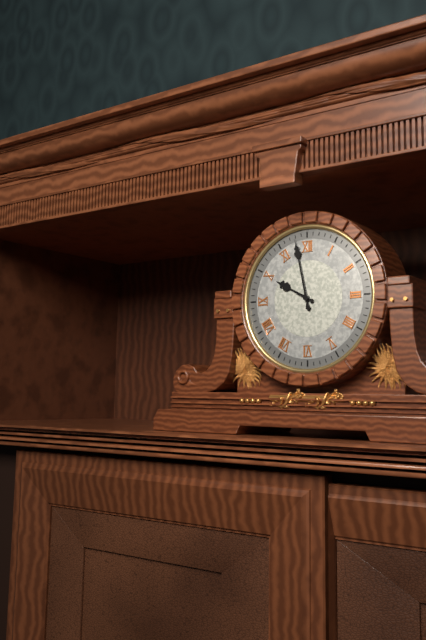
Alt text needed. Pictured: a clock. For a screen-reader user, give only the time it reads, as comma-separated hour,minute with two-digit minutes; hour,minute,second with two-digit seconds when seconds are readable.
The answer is 9,58
